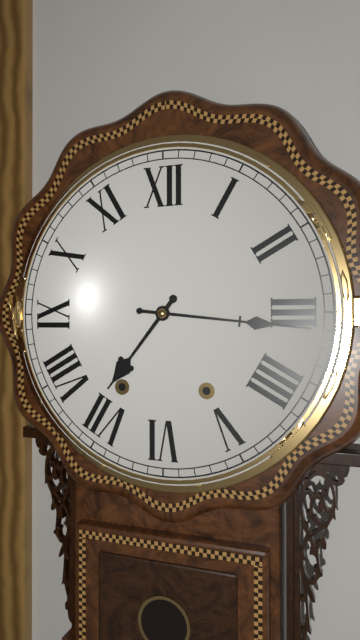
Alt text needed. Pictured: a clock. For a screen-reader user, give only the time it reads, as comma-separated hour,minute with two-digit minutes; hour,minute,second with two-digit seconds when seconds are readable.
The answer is 7,16
